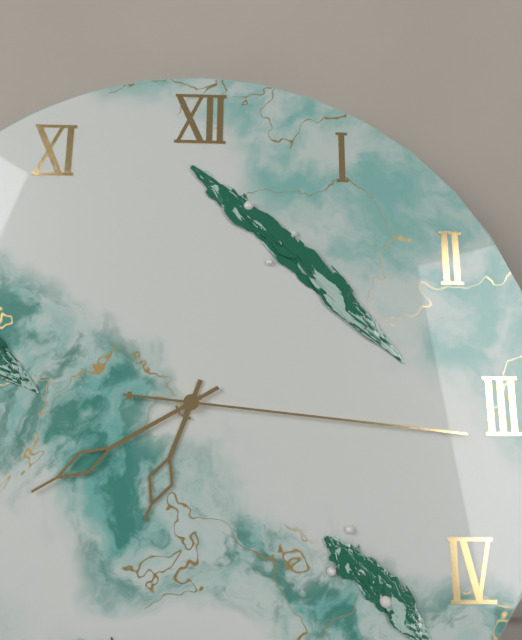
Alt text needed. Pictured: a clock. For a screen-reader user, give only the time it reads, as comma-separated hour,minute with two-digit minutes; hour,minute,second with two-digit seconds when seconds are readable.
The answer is 6,40,16
